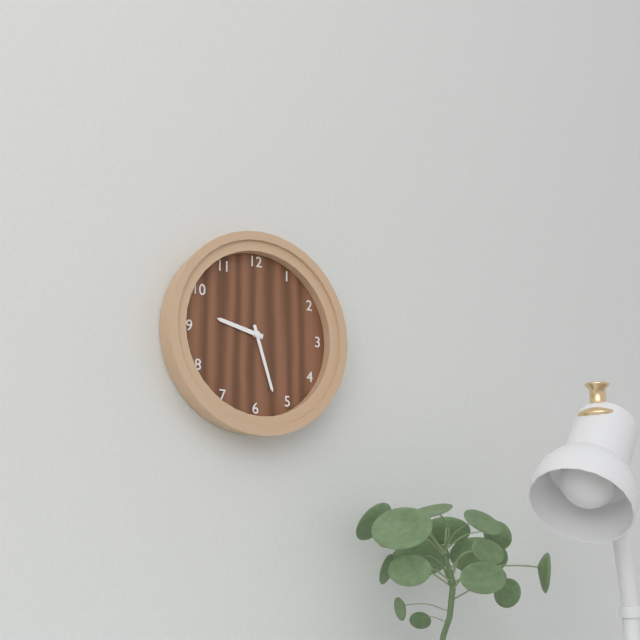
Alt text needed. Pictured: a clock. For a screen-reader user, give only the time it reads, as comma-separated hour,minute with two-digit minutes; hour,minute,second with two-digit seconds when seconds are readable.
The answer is 9,27
